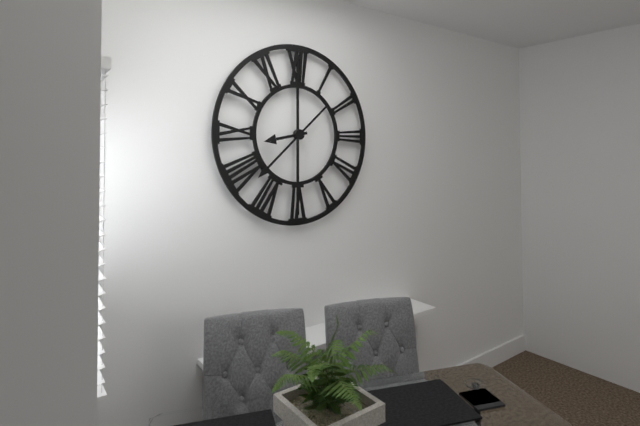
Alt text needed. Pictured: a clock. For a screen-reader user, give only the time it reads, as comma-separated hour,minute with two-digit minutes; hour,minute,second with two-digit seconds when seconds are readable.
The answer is 8,38
